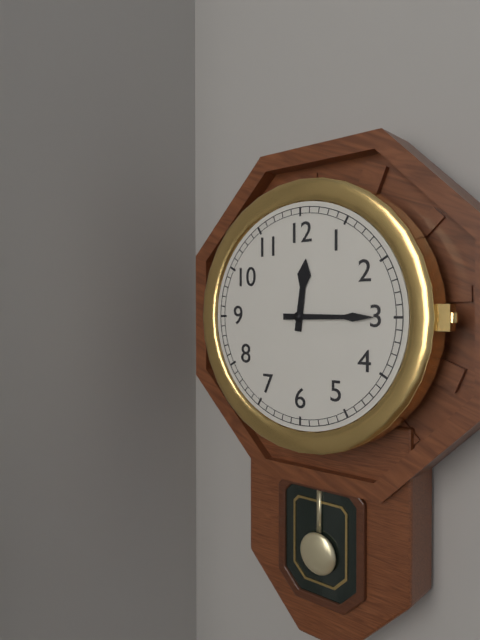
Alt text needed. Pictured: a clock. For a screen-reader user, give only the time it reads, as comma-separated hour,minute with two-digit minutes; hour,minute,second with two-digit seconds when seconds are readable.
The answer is 12,15
